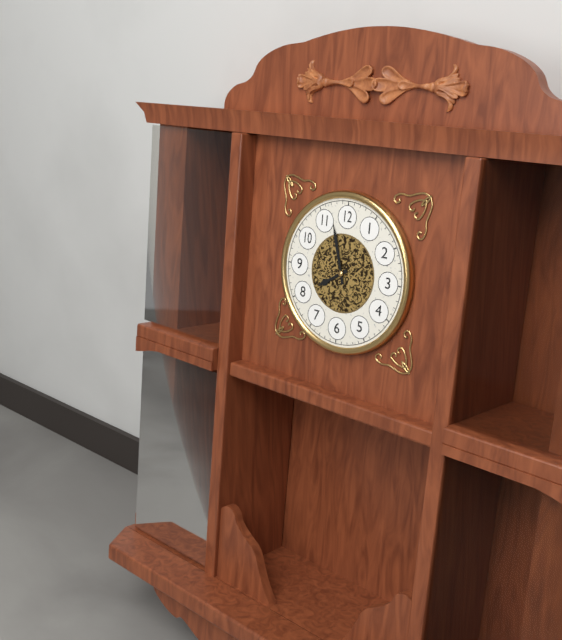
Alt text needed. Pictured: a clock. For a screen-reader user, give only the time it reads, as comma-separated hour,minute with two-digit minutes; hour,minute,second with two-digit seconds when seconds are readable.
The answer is 7,57
